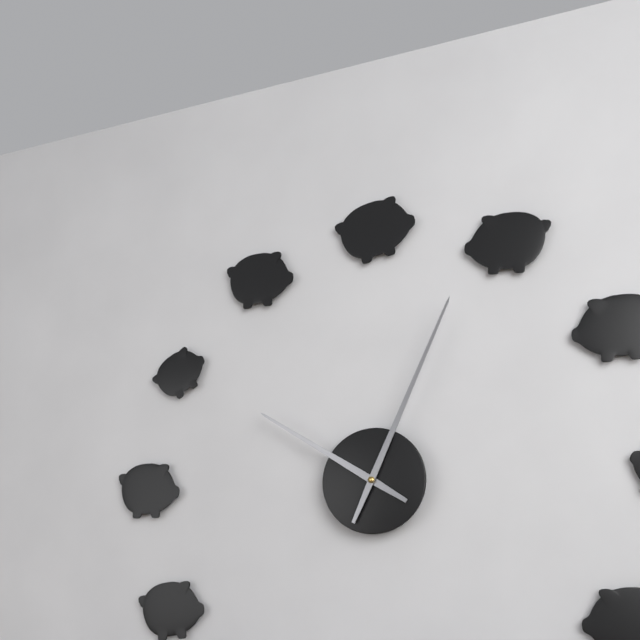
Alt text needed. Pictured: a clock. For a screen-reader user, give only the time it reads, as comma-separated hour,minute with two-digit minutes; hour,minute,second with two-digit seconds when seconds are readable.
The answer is 10,04
